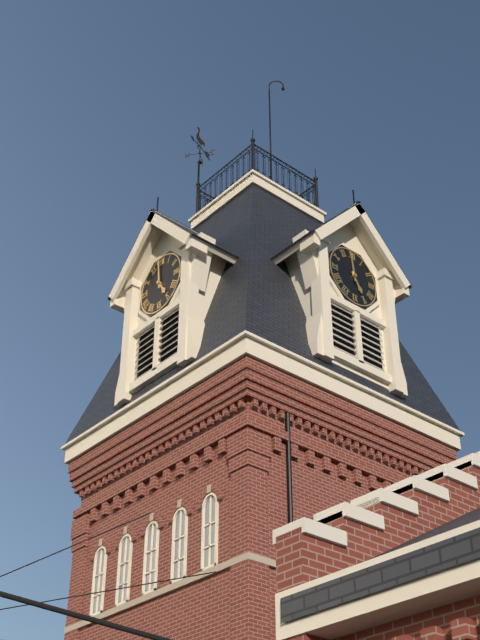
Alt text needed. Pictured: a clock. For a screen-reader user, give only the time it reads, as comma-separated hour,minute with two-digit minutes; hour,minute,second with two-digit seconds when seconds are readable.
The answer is 4,59
